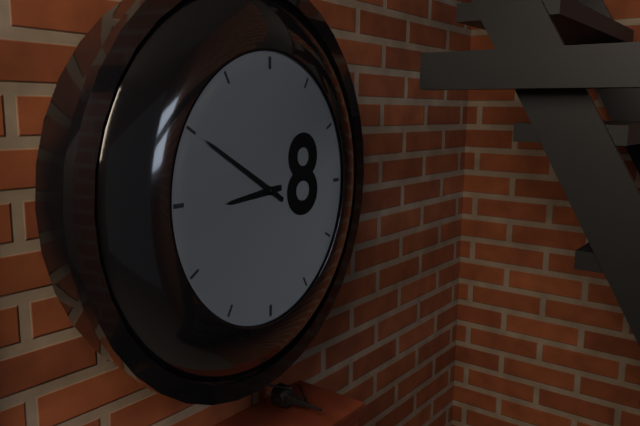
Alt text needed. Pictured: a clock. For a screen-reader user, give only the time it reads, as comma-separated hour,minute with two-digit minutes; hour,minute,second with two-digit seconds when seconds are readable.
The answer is 8,50
